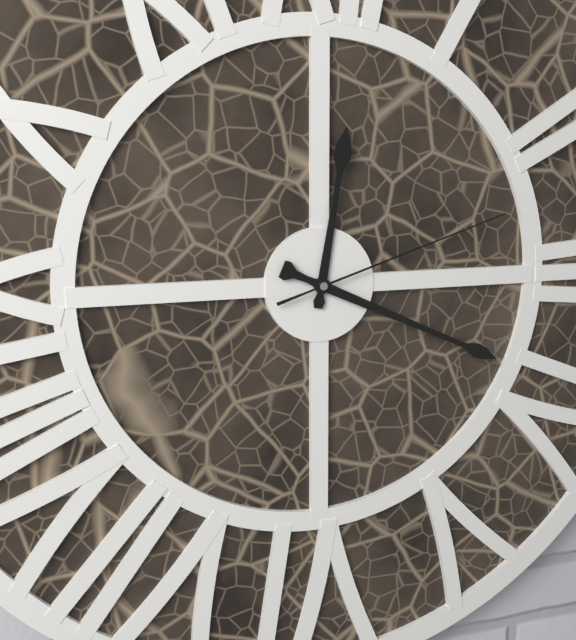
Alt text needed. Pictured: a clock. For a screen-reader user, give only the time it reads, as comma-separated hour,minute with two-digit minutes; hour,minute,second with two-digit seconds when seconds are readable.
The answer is 12,19,12
